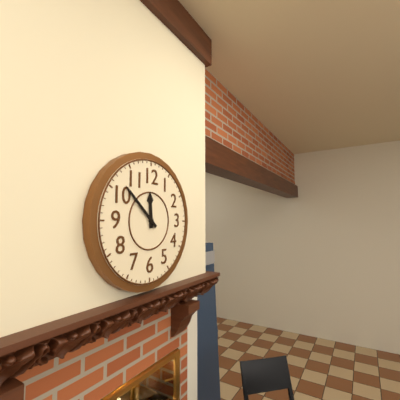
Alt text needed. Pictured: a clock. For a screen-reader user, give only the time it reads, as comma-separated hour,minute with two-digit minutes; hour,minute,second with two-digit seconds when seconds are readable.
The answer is 11,52
